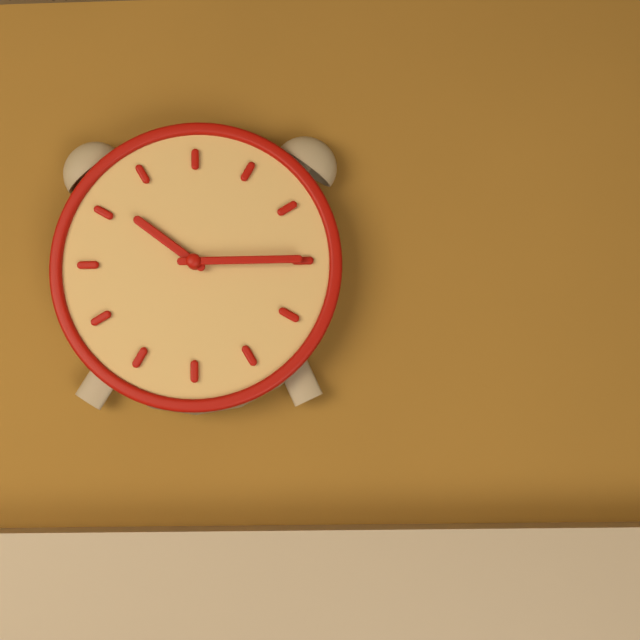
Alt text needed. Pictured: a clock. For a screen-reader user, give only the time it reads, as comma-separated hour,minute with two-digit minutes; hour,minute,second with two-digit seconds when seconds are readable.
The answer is 10,15
